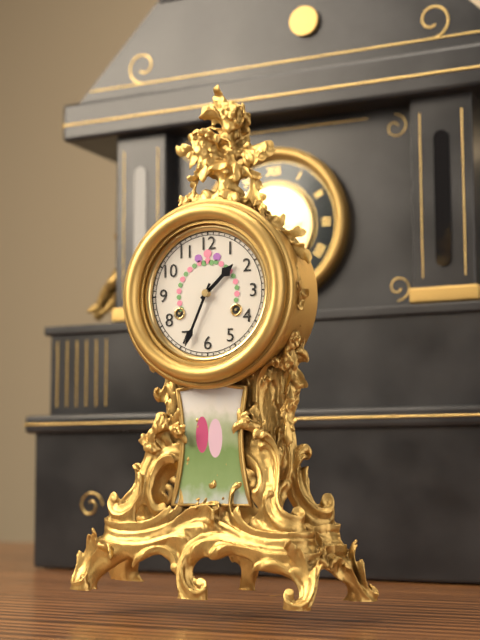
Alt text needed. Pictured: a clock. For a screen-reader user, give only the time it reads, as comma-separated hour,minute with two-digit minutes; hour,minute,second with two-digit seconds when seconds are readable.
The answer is 1,34
